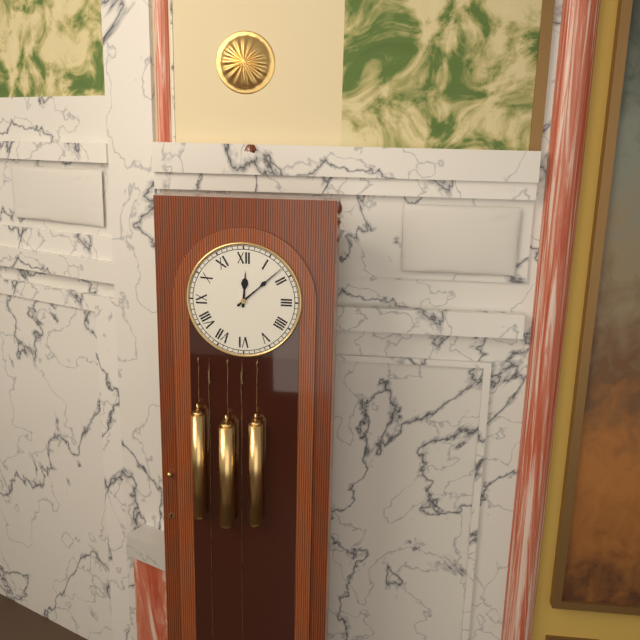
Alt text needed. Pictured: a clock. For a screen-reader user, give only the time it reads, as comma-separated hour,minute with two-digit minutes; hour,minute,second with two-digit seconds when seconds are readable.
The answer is 12,08
